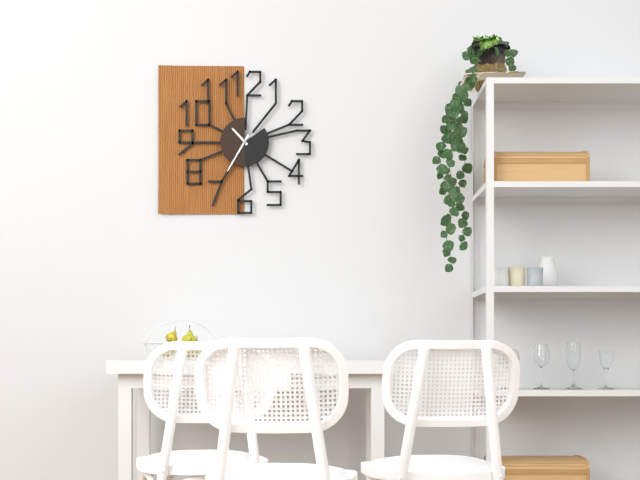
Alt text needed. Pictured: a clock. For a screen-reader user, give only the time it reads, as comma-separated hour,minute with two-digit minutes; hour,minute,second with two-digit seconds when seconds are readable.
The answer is 10,35
